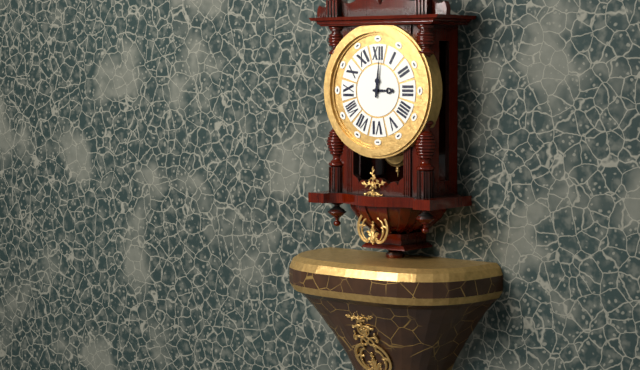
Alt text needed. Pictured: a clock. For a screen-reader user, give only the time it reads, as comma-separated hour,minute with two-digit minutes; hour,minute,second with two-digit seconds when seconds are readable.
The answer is 3,01
